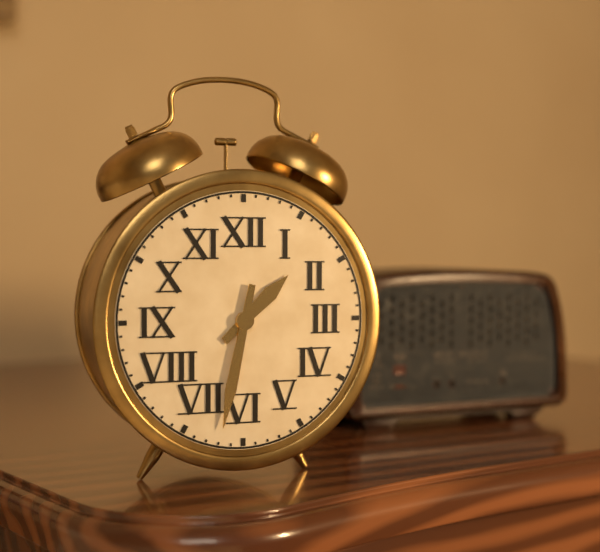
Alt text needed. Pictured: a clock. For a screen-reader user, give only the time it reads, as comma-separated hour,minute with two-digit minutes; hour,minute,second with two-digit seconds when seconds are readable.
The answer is 1,32
